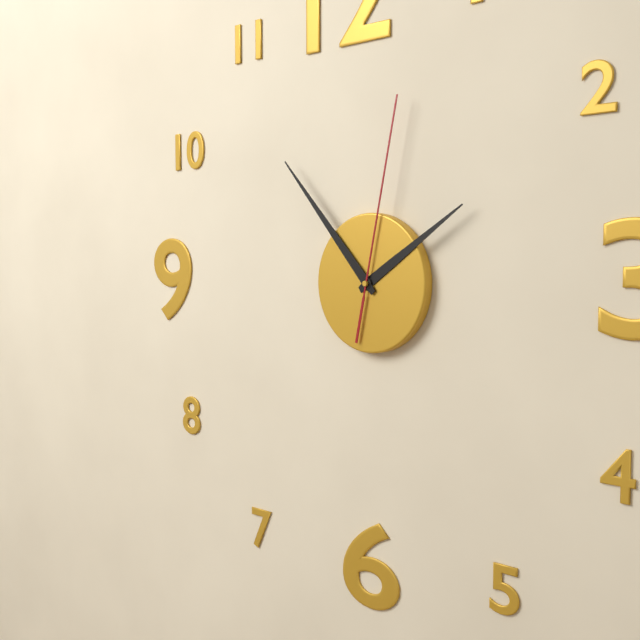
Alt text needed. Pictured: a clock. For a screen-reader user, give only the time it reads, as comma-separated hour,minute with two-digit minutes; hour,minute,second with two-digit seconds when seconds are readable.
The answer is 1,53,02
